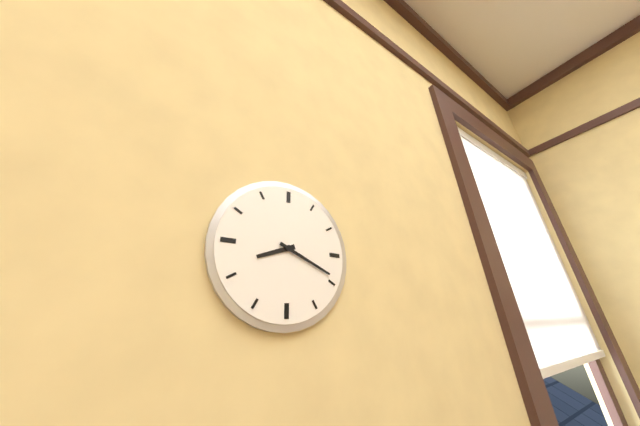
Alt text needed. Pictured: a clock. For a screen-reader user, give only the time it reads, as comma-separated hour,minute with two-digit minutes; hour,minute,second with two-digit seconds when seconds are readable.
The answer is 8,19
